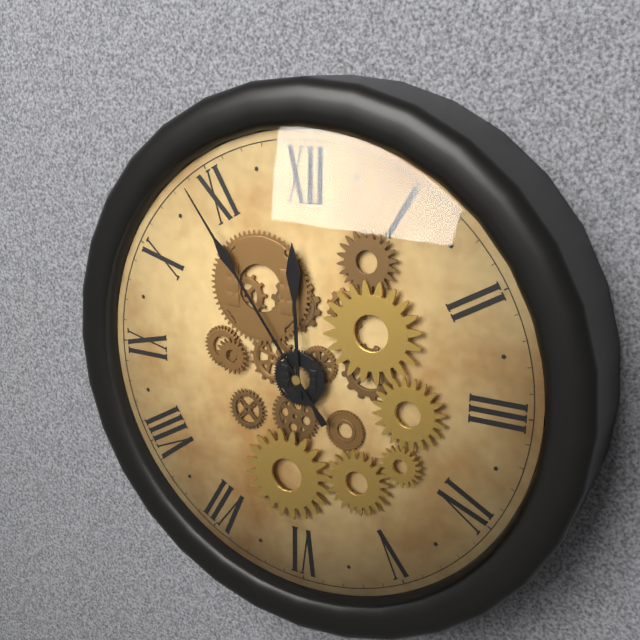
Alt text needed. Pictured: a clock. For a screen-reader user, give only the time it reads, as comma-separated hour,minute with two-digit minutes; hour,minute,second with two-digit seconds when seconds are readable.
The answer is 11,54
